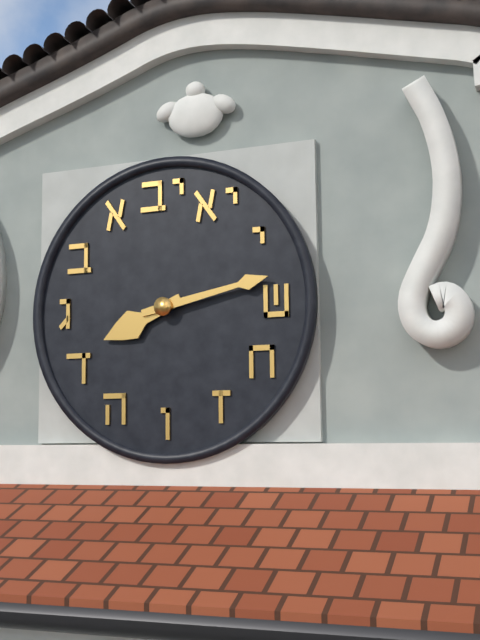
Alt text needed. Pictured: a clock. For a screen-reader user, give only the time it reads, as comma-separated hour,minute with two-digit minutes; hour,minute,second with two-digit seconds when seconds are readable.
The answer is 8,13
